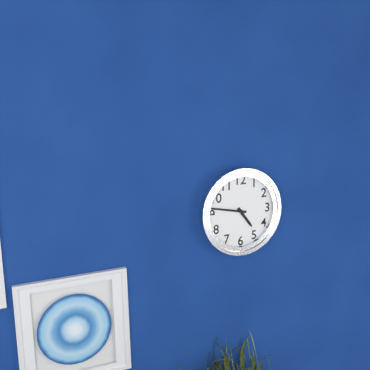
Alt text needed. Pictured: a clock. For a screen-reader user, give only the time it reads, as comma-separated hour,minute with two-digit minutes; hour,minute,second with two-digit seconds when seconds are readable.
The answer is 4,47
